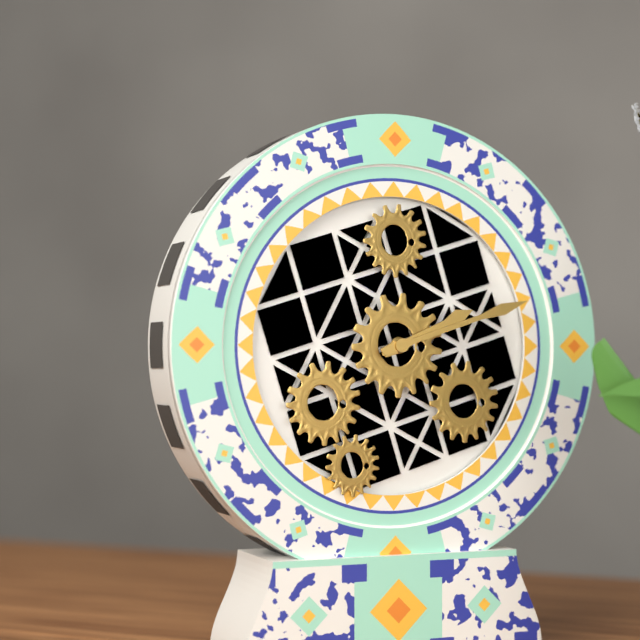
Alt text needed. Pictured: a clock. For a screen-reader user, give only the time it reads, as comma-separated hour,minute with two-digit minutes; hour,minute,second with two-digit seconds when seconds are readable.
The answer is 2,12
